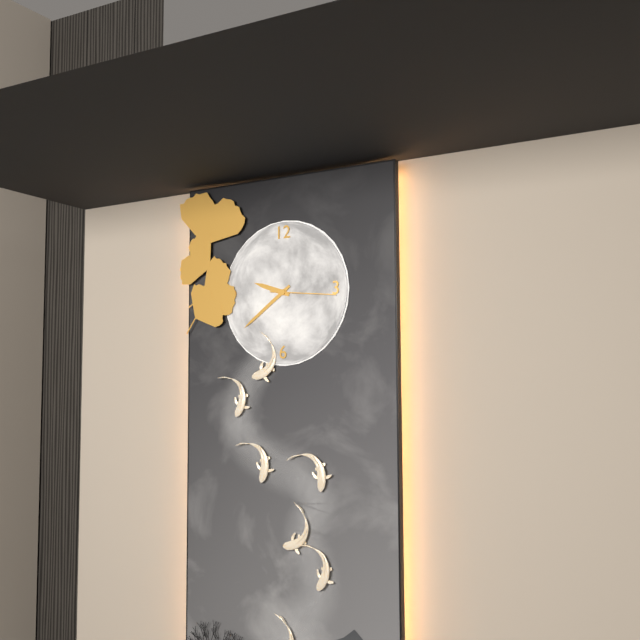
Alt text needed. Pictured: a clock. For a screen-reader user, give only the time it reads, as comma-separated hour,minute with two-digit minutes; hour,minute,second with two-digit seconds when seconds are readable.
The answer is 9,39,16
